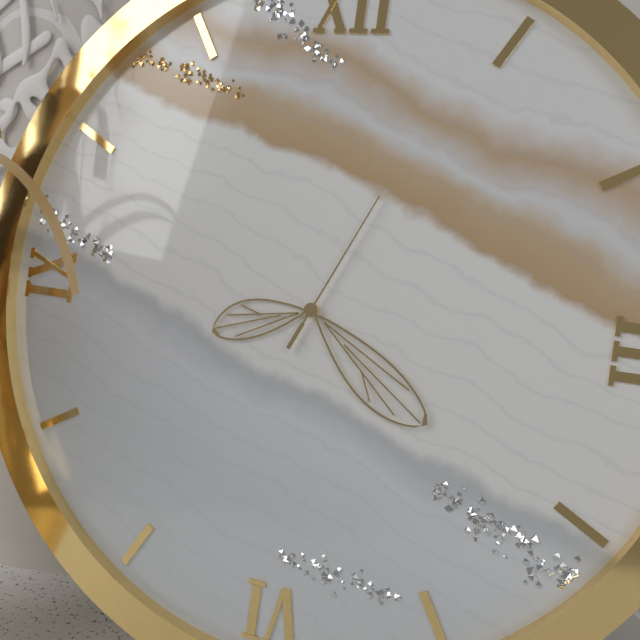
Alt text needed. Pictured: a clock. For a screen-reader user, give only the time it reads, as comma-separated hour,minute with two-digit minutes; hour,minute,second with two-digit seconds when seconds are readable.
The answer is 8,21,04
